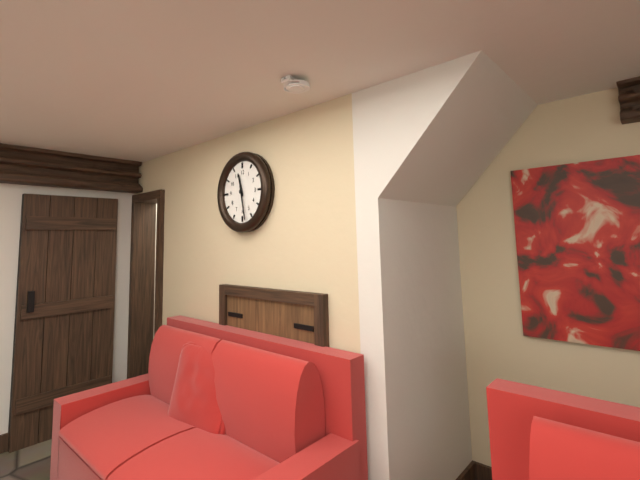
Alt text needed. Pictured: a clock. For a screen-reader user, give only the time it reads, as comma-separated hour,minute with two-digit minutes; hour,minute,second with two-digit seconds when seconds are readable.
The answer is 11,28
